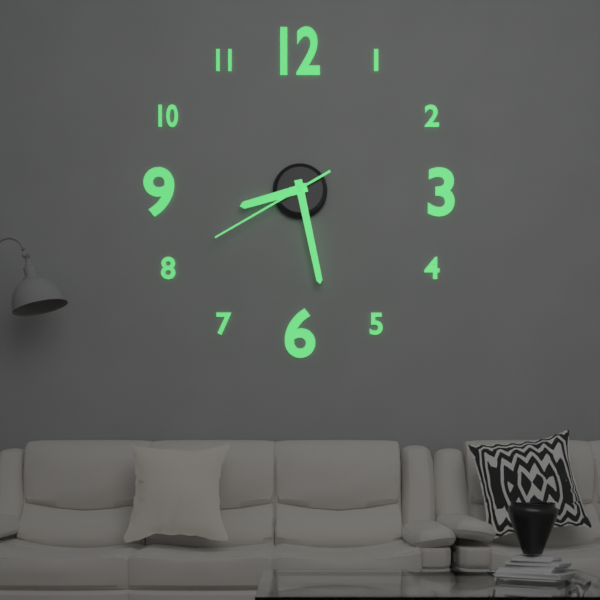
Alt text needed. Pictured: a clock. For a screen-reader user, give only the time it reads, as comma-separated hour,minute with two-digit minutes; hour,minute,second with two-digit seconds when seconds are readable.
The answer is 8,28,40
